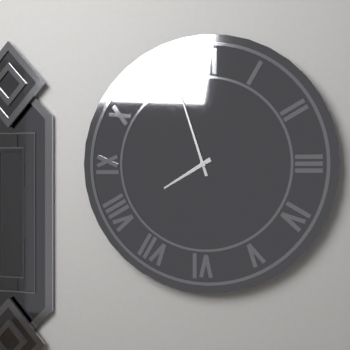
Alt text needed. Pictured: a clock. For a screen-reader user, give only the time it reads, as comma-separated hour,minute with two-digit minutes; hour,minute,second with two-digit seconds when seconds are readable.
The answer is 7,57
